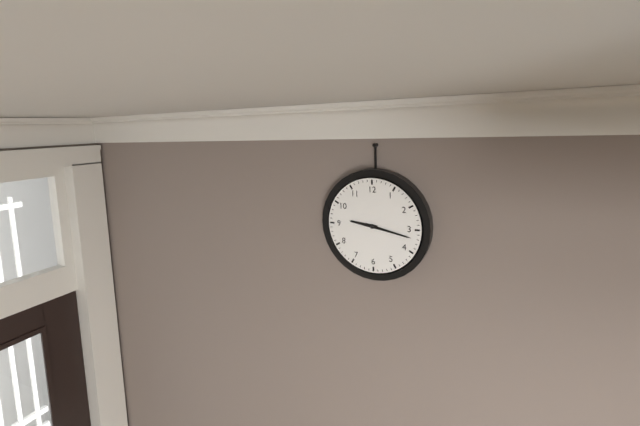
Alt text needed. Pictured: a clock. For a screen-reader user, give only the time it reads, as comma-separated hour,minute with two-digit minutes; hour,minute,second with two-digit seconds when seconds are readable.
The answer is 9,17
